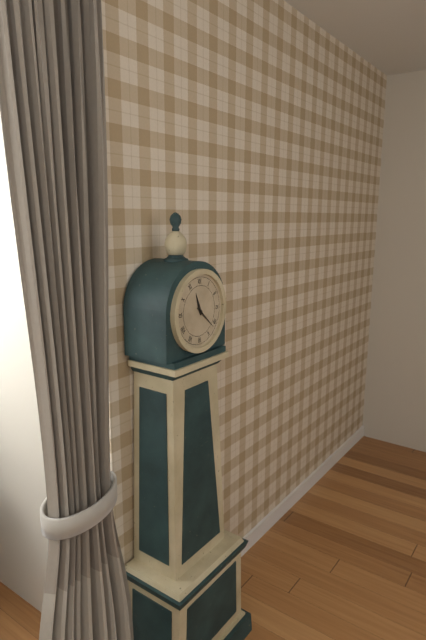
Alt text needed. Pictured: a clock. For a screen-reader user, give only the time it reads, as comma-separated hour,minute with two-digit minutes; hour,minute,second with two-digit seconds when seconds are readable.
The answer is 11,22
